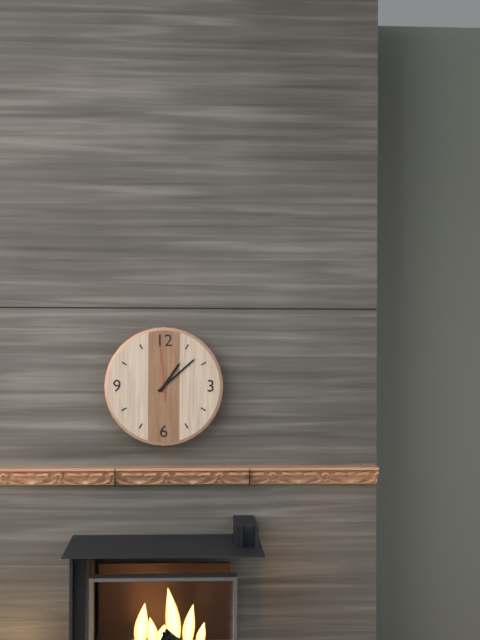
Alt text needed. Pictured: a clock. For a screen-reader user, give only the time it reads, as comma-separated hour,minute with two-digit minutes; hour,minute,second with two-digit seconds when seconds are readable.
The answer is 1,08,59
